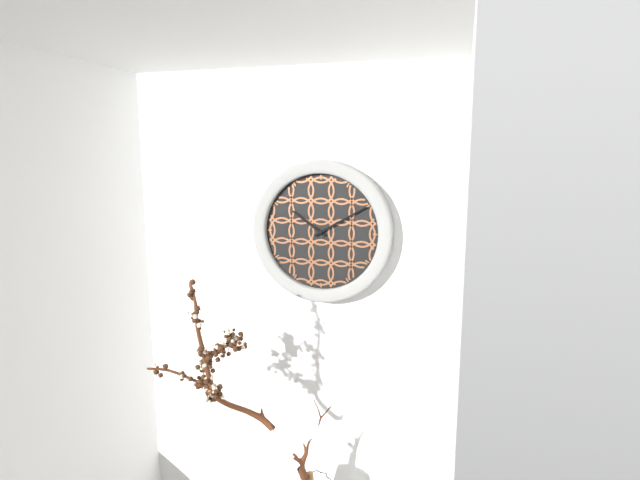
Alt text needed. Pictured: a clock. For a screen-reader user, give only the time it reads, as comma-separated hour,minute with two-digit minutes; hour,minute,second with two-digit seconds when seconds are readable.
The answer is 10,10
